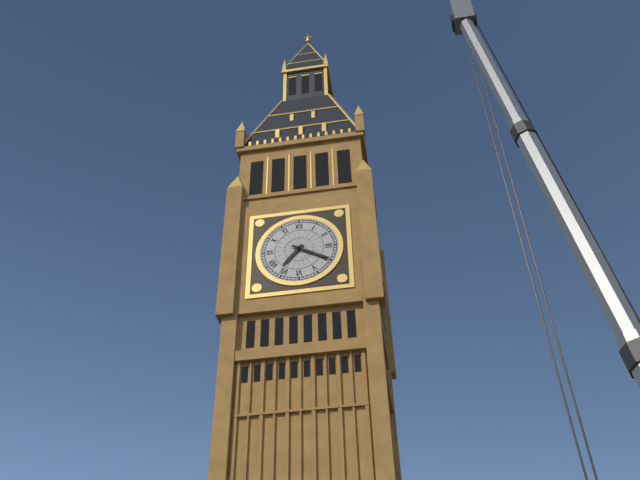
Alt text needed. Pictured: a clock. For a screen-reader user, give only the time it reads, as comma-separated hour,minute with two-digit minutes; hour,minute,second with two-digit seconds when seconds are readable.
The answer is 7,20
